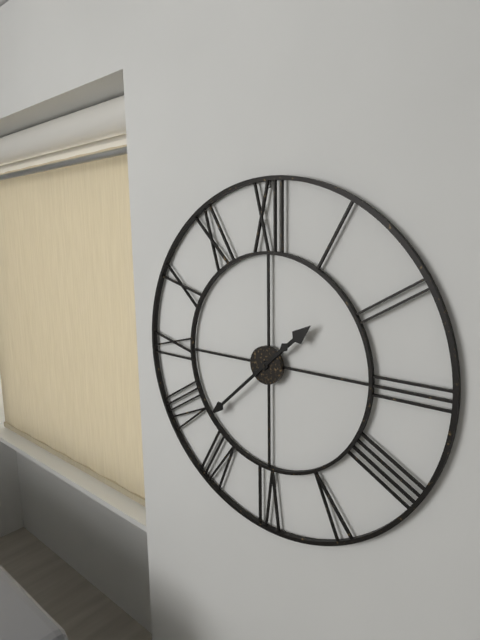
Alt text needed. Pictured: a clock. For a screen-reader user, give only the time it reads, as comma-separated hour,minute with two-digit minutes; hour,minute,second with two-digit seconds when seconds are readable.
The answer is 1,38
